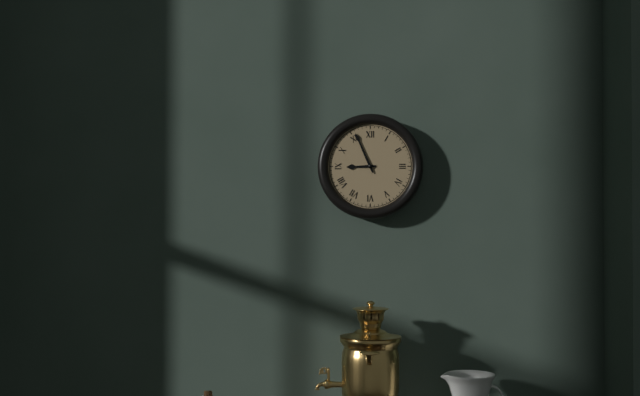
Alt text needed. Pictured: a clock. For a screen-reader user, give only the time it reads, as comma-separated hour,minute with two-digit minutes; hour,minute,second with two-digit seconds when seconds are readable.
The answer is 8,56
